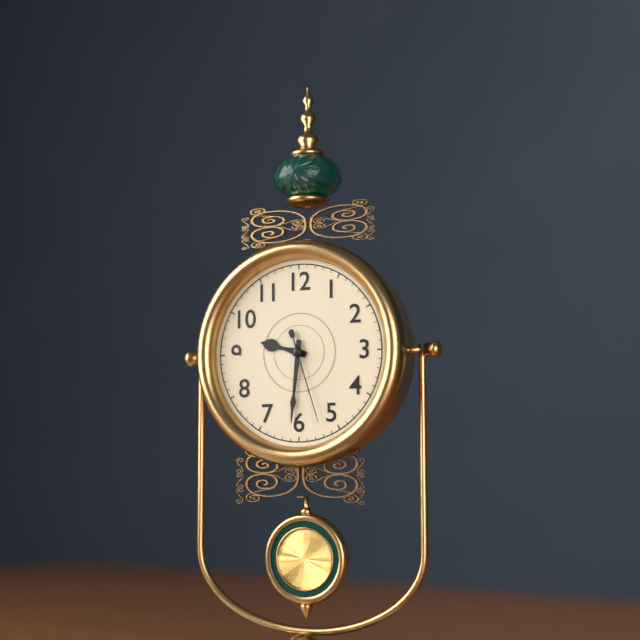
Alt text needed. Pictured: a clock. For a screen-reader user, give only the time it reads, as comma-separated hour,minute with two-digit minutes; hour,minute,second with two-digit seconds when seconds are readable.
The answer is 9,31,27
